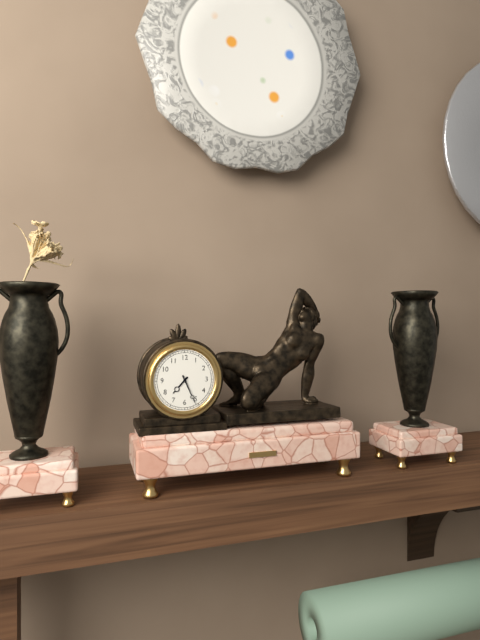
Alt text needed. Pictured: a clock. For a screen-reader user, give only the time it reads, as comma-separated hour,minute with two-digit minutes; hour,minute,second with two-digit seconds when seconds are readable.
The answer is 7,26
